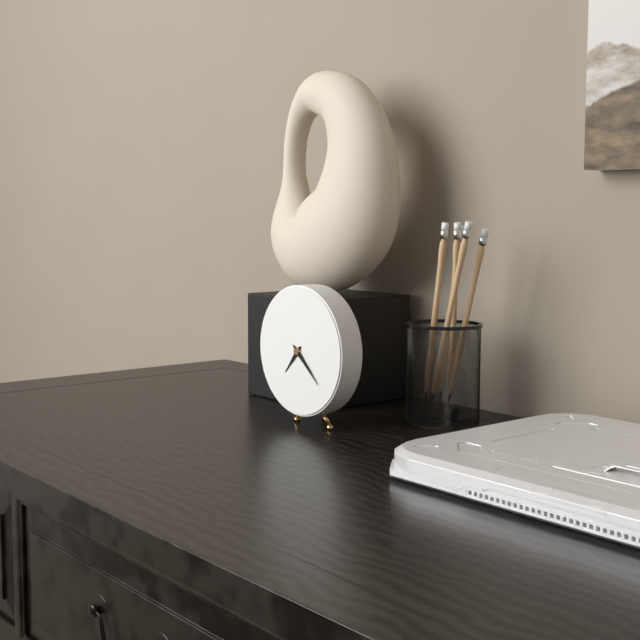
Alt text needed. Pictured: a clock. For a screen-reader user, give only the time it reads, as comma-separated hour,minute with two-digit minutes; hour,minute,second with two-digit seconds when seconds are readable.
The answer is 7,22
